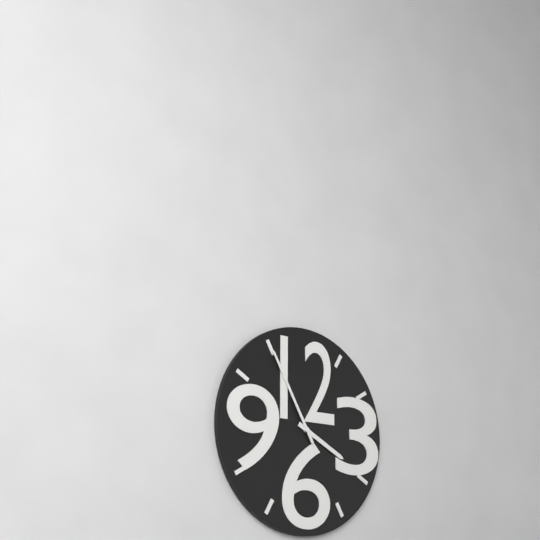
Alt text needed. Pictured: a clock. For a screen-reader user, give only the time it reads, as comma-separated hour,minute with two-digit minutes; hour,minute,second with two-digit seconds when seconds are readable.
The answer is 3,55
